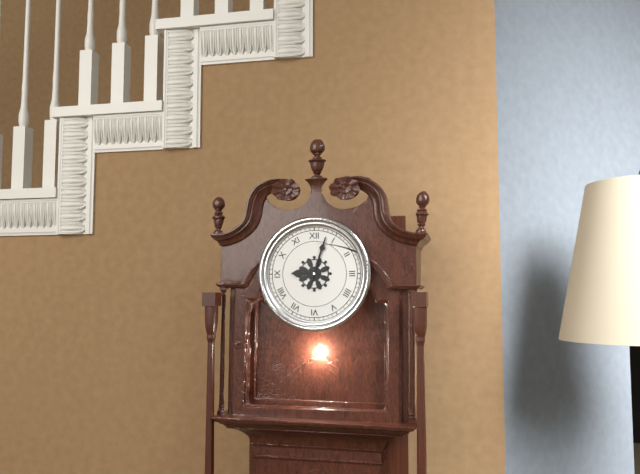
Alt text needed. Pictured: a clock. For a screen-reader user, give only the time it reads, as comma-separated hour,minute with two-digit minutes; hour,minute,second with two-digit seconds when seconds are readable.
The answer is 9,03
